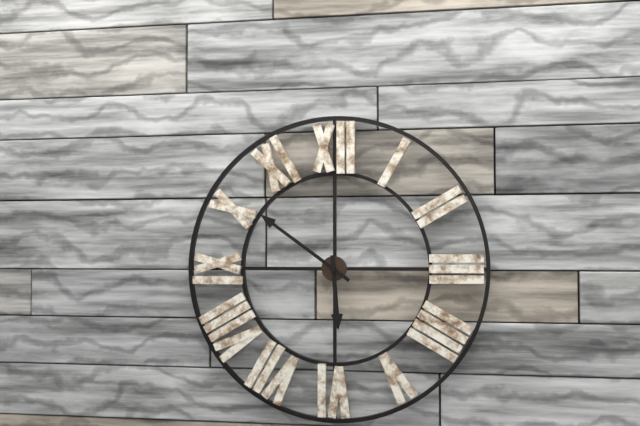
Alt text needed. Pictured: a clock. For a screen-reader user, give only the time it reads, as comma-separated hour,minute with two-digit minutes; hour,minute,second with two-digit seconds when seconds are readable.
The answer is 5,51
